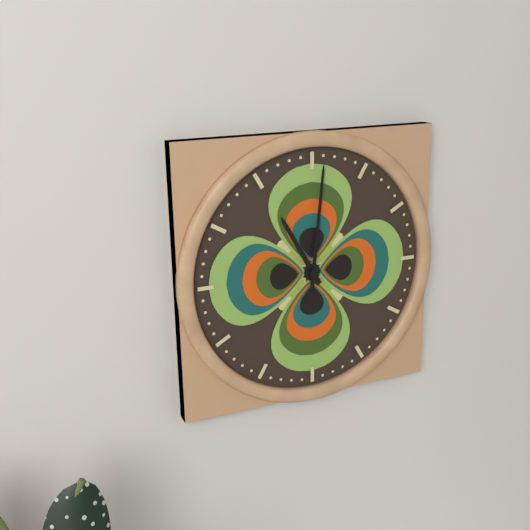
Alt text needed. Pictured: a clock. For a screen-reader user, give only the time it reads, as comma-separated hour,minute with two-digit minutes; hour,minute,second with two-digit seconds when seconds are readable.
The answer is 11,01
